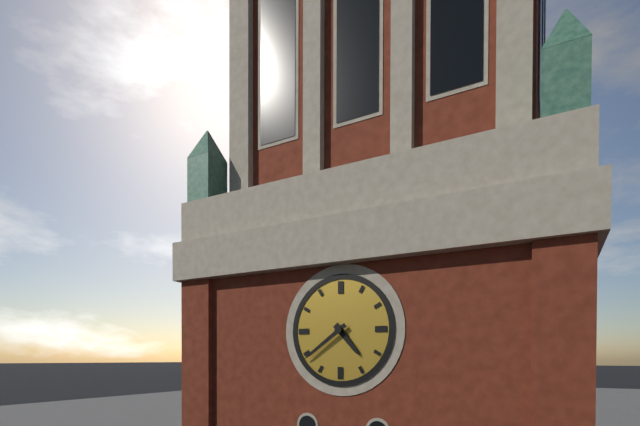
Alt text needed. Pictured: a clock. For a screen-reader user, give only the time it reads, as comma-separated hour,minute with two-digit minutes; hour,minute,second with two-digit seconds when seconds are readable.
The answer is 4,39
